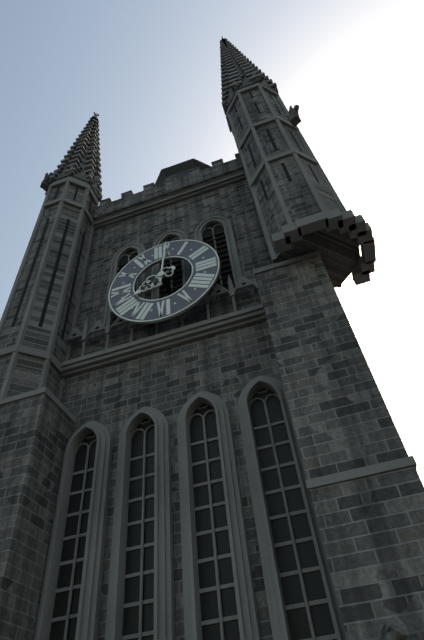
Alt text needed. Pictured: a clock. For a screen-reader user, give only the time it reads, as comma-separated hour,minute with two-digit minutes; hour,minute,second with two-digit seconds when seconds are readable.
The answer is 8,01
